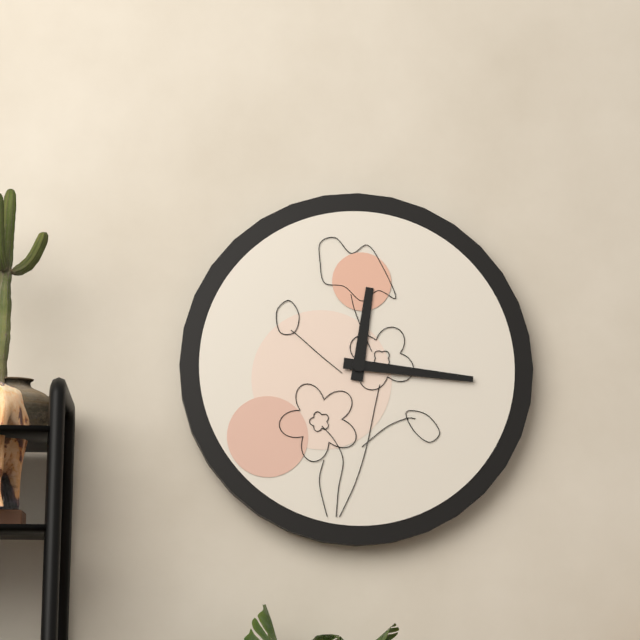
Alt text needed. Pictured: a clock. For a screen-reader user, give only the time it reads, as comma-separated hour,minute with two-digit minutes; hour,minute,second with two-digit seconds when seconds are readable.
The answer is 12,16
